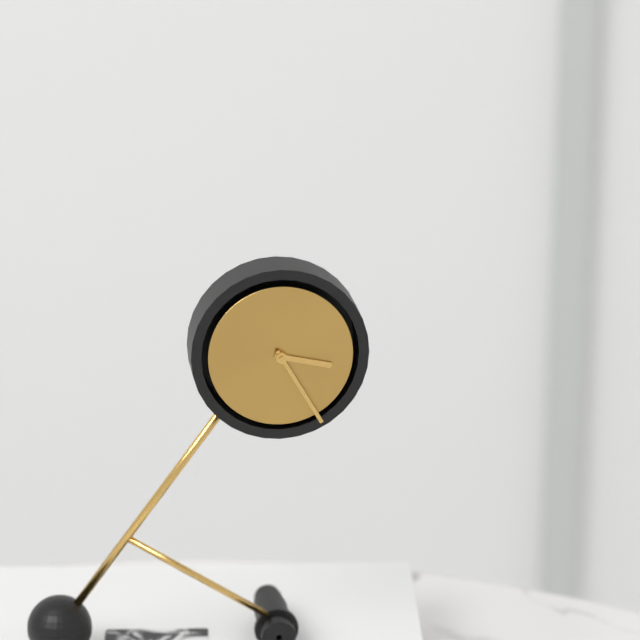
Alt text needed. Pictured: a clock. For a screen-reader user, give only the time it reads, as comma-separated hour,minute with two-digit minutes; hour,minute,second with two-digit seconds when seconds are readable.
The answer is 3,25
